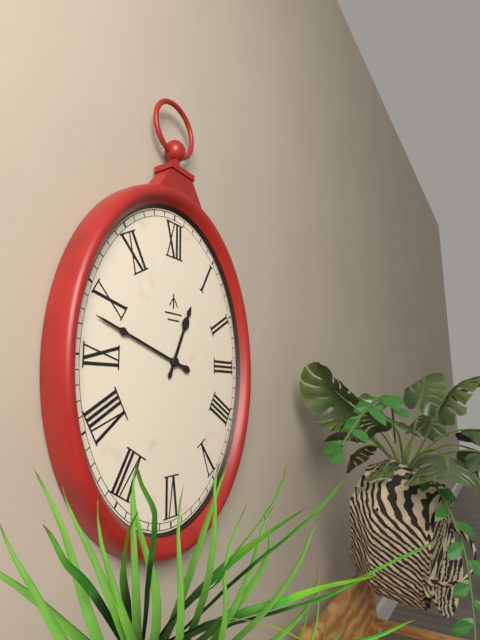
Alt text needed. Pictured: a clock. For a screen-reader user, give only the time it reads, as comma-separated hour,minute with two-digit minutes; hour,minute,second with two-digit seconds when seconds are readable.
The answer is 12,48
